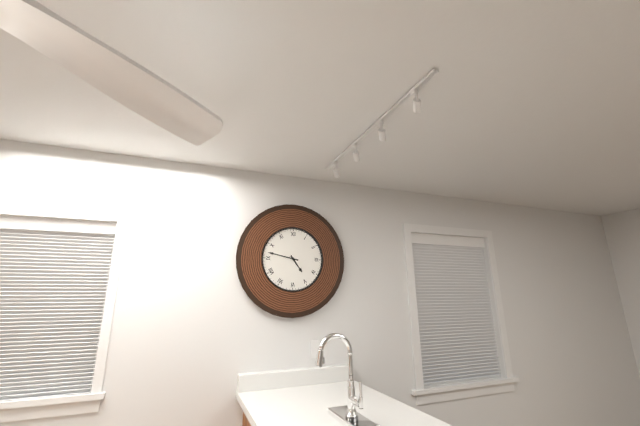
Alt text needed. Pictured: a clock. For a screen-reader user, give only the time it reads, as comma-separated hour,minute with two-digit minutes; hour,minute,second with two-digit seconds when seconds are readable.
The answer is 4,47
